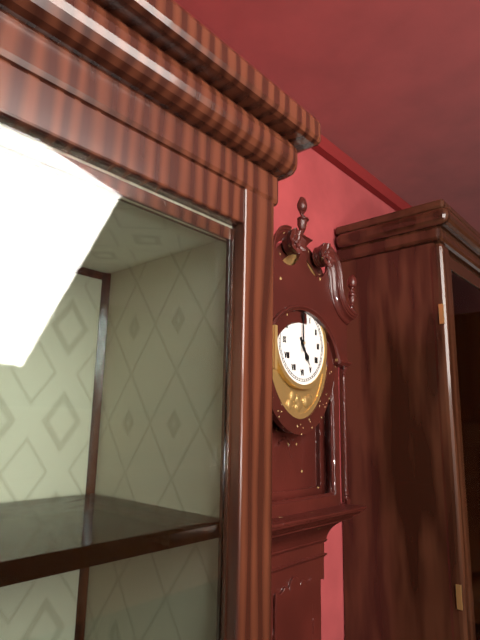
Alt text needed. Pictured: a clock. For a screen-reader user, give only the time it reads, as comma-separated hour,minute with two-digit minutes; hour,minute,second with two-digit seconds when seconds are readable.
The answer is 5,00
